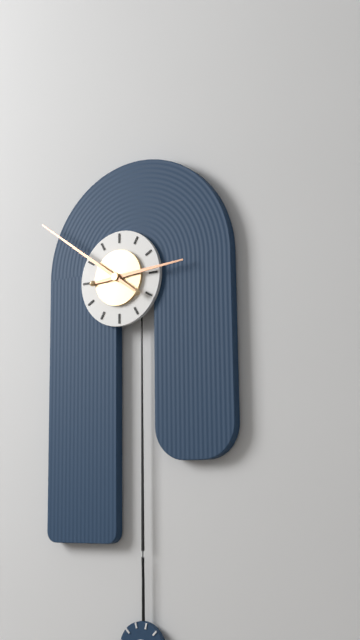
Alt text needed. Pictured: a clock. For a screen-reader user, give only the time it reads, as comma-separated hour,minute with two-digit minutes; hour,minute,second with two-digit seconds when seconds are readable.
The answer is 2,51
